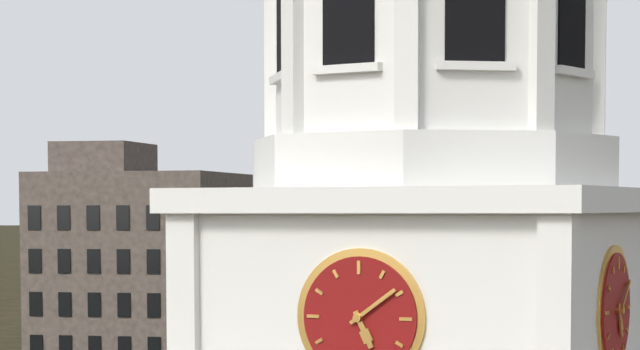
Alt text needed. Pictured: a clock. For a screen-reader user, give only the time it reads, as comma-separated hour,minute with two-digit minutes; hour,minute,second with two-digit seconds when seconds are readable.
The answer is 5,09
